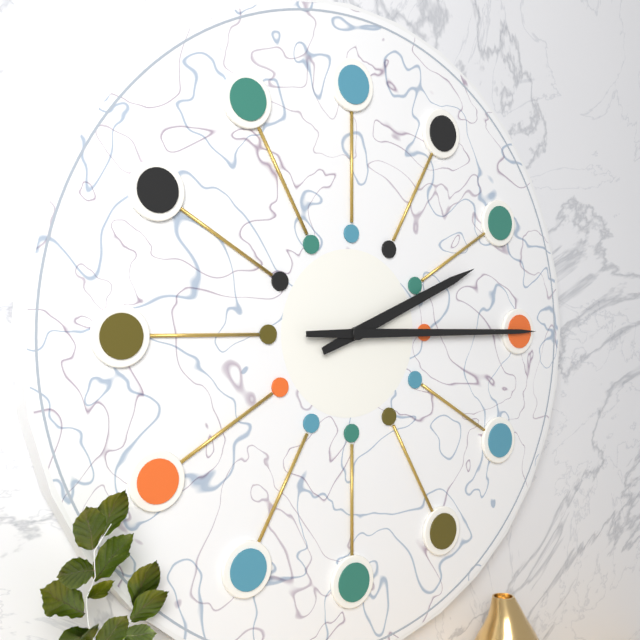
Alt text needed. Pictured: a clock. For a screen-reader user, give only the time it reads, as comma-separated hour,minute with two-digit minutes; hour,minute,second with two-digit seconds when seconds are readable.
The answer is 2,15
